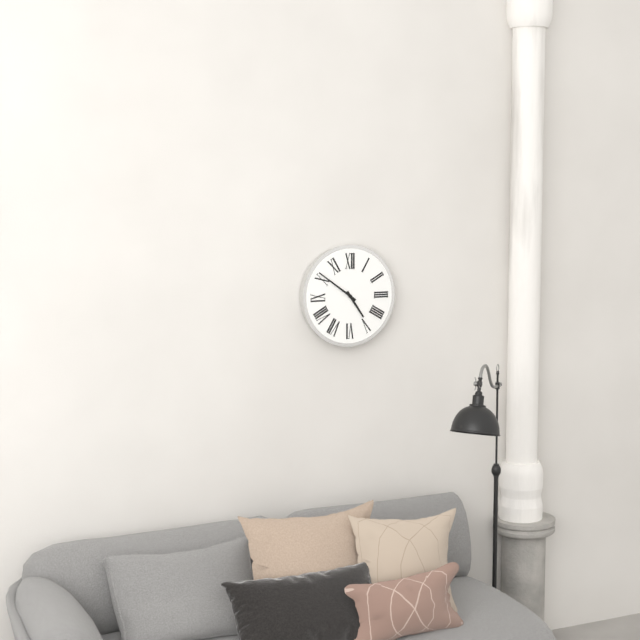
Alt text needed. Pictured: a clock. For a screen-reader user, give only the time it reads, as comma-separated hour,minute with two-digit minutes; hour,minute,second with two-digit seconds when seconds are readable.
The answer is 4,51
